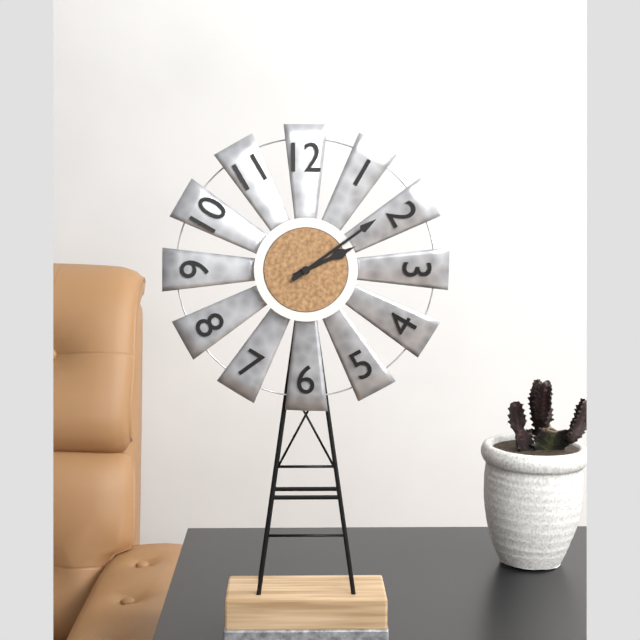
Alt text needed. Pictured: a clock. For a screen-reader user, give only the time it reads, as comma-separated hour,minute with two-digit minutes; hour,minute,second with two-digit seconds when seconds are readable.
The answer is 2,09
